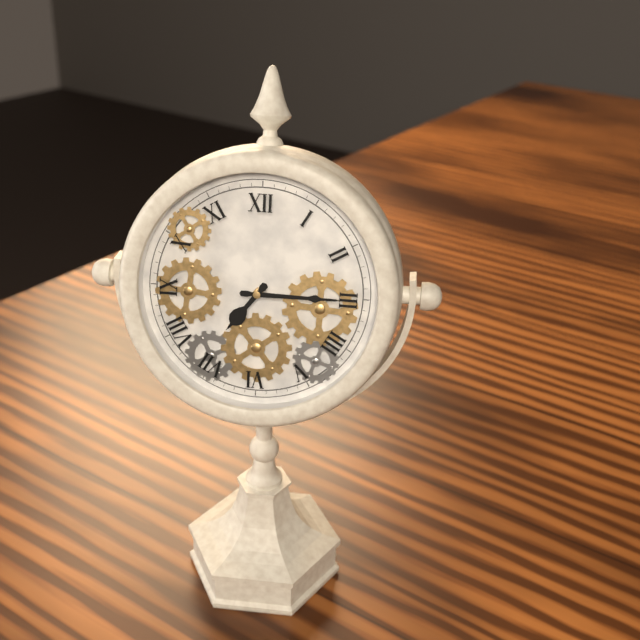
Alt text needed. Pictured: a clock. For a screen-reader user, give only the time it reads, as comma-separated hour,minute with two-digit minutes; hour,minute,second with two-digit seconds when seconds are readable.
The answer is 7,15
